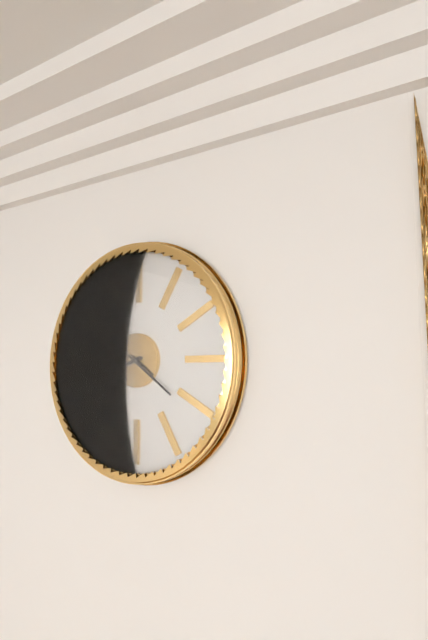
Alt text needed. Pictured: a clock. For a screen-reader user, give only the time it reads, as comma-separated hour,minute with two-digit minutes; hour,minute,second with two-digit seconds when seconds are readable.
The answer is 8,21
